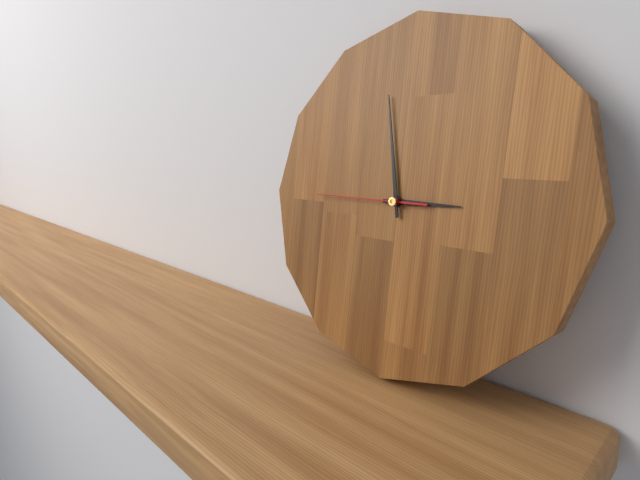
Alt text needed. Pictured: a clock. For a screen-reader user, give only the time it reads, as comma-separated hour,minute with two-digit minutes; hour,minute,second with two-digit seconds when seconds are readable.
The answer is 2,58,45
